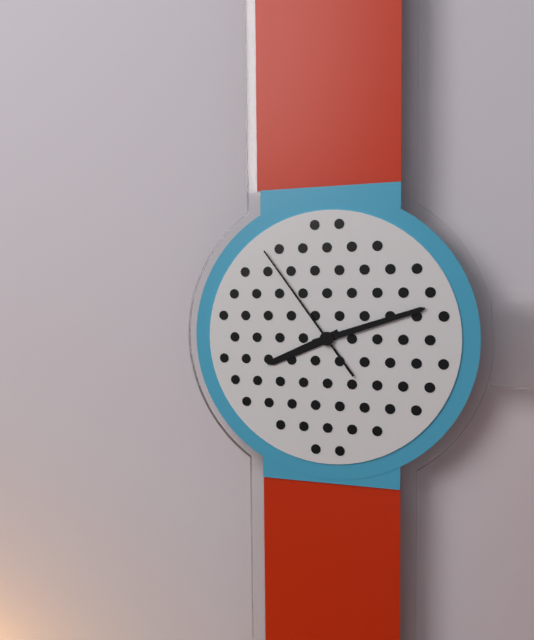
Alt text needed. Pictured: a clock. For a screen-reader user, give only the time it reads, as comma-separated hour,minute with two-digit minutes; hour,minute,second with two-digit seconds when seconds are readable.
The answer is 8,12,54
